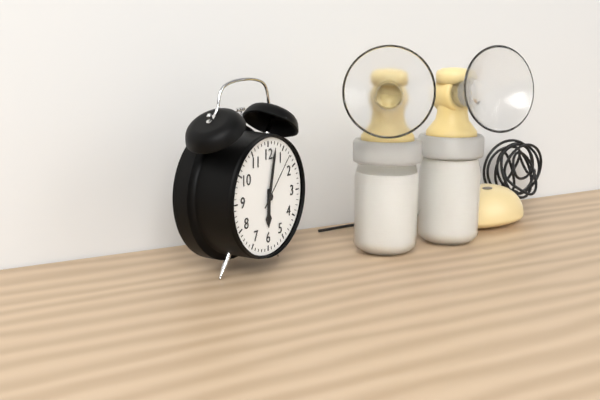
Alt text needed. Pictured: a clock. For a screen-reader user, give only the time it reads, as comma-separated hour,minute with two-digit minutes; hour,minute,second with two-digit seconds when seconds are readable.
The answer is 6,02,07
